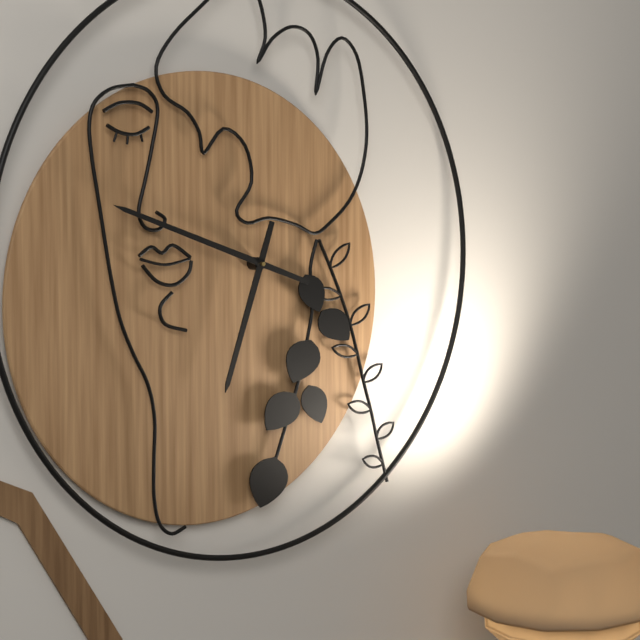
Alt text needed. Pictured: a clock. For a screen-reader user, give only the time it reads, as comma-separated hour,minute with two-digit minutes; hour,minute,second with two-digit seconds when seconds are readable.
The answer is 6,49
